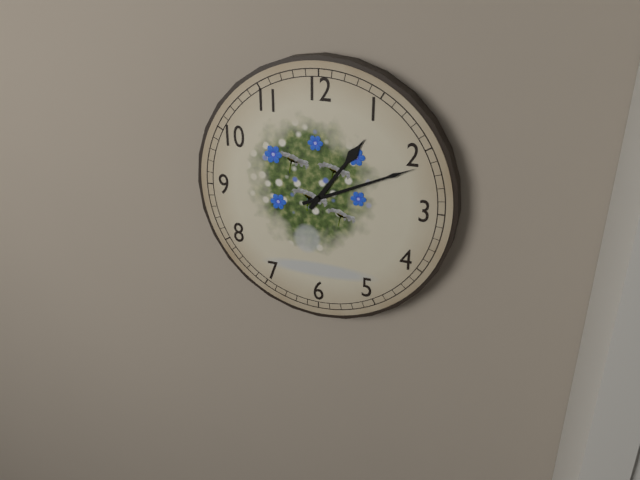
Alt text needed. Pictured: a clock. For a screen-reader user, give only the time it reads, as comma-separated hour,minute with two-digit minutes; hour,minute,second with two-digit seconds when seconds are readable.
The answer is 1,11
